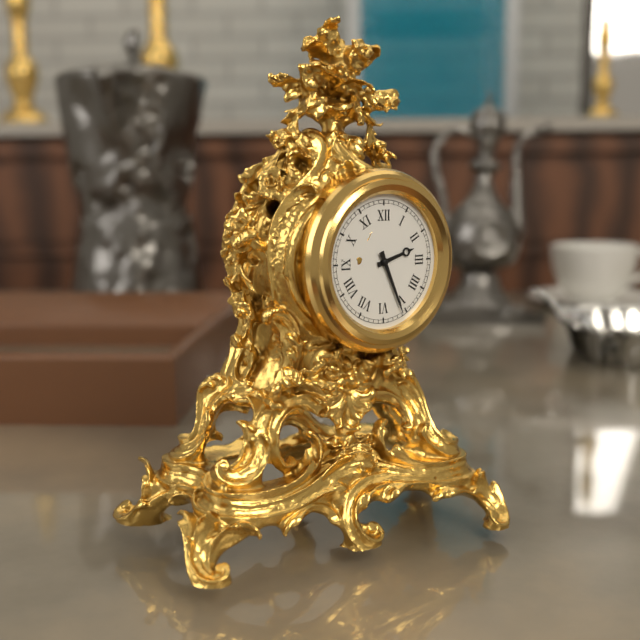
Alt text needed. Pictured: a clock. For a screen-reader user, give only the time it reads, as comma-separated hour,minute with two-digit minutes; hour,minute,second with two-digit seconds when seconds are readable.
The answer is 2,26
